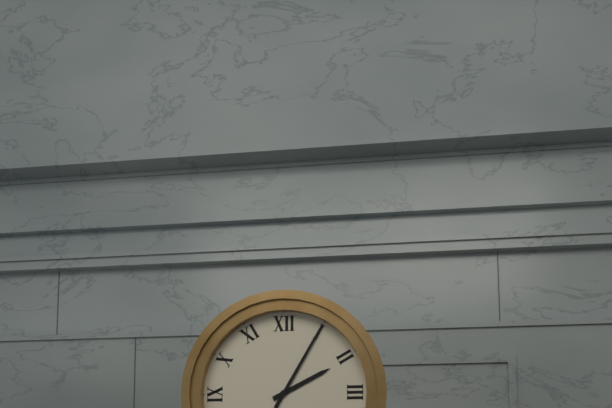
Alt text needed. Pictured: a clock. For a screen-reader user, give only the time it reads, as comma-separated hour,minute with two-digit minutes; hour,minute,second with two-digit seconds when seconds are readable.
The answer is 2,05
